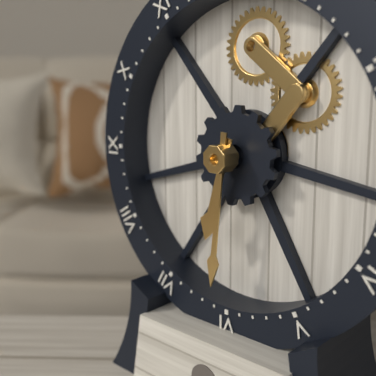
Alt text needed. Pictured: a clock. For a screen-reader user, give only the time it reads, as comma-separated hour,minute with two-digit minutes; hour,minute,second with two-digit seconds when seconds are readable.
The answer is 6,31
